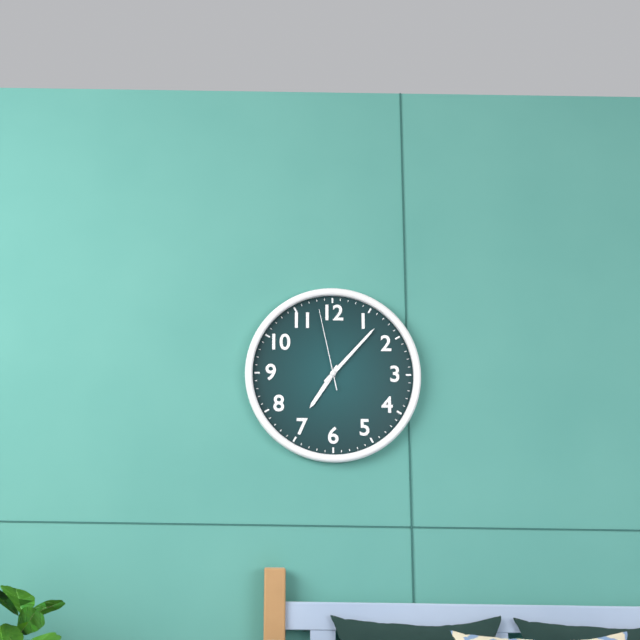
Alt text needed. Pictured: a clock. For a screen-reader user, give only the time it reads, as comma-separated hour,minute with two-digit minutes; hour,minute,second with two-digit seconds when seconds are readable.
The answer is 7,07,58
